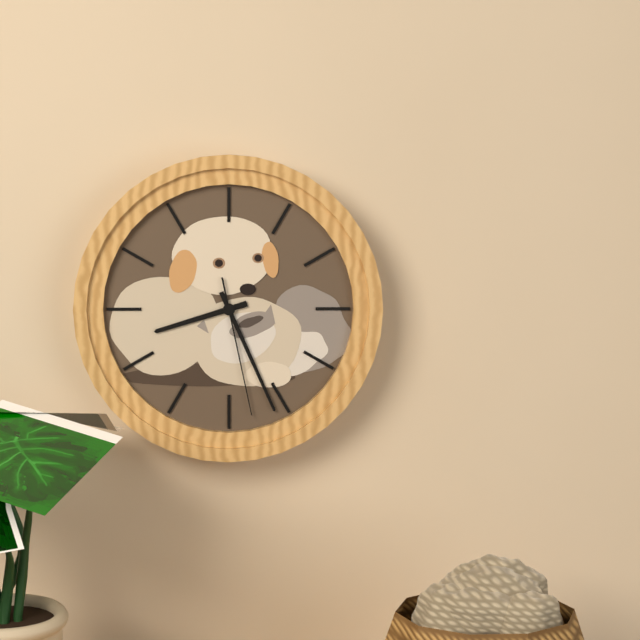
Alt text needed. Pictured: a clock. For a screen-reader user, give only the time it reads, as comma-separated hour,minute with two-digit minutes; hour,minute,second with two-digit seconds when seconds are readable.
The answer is 8,26,28
